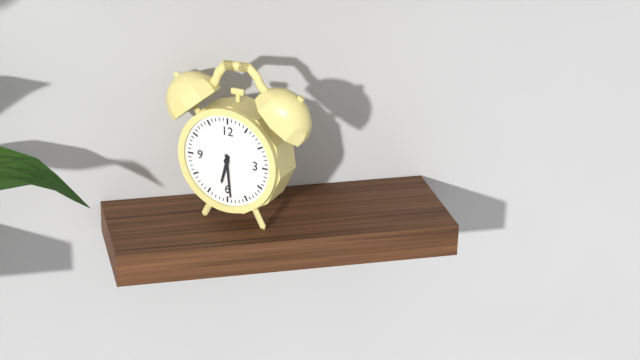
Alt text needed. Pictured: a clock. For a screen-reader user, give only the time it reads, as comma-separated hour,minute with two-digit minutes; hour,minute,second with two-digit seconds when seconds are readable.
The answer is 6,29
